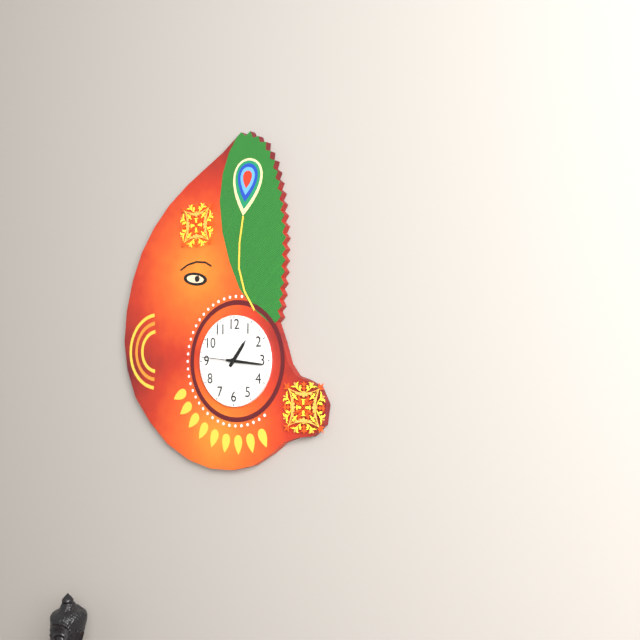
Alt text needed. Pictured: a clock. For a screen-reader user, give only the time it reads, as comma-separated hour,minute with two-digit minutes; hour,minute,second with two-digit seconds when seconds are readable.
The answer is 1,16
